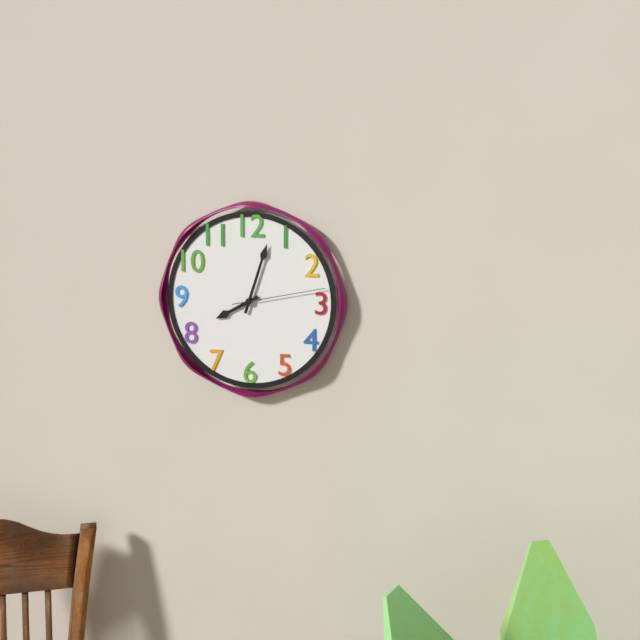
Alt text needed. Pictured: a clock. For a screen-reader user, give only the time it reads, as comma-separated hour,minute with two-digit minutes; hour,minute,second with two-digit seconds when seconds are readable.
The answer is 8,03,13
